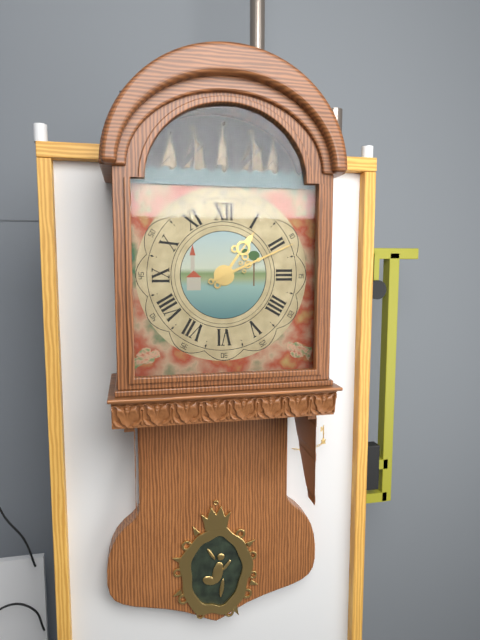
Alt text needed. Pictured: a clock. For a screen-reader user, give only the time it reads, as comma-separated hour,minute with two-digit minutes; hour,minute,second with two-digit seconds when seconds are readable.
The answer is 1,11
